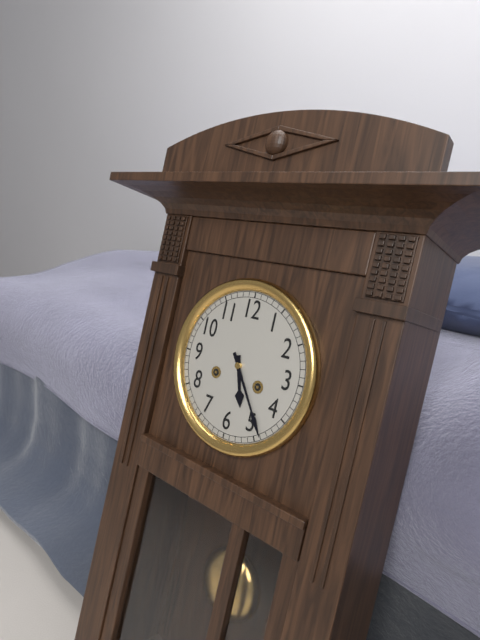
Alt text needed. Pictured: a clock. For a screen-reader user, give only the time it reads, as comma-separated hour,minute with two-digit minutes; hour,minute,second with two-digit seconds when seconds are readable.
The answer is 5,24
